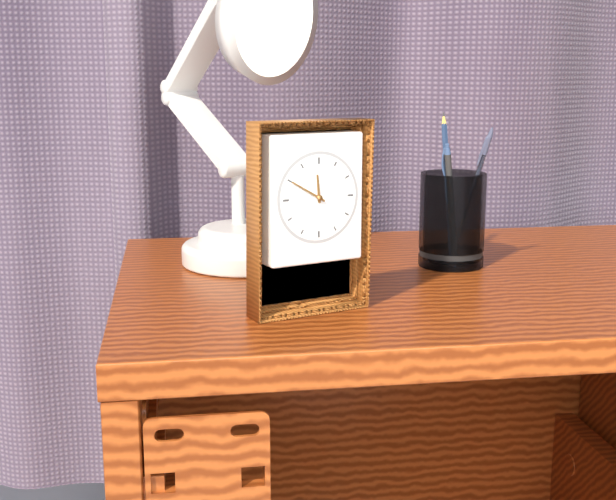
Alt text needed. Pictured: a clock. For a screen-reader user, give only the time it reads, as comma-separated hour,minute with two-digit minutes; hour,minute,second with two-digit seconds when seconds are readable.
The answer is 11,50
